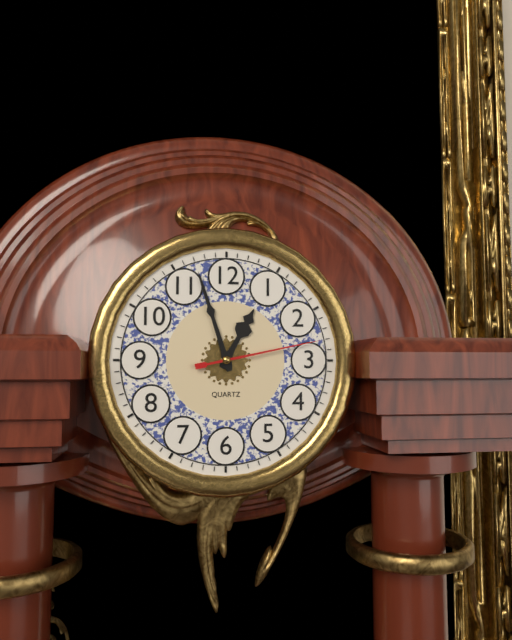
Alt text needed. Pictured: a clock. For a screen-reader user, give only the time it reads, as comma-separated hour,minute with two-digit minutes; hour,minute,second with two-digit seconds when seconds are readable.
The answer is 12,57,13
